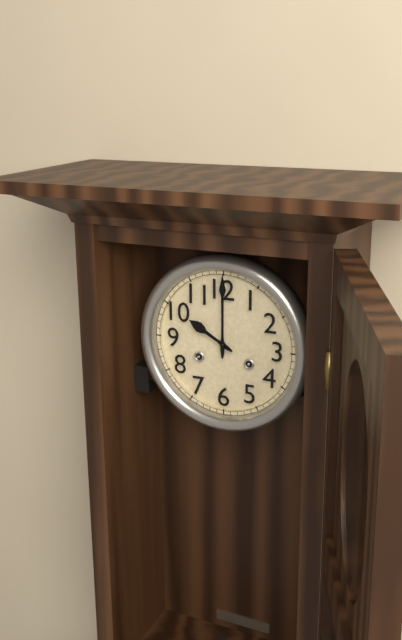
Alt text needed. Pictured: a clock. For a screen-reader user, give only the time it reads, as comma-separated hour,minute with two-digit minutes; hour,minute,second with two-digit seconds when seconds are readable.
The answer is 10,00
